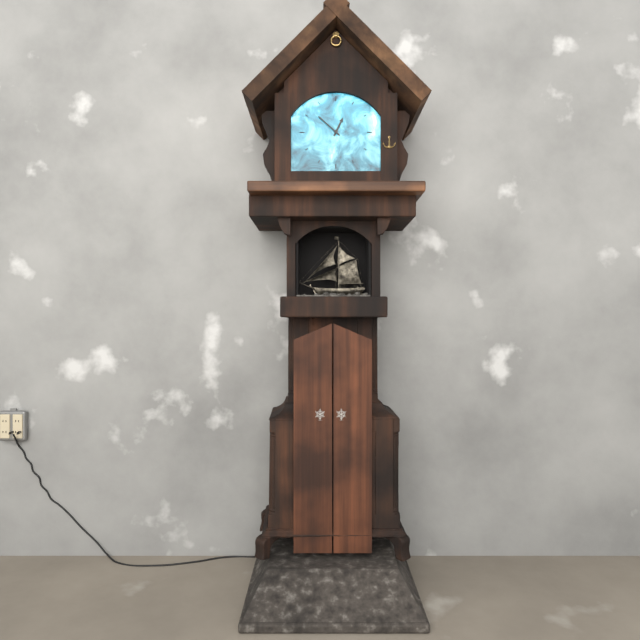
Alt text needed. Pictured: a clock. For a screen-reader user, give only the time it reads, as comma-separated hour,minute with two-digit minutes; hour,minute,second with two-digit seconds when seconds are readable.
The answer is 12,52
